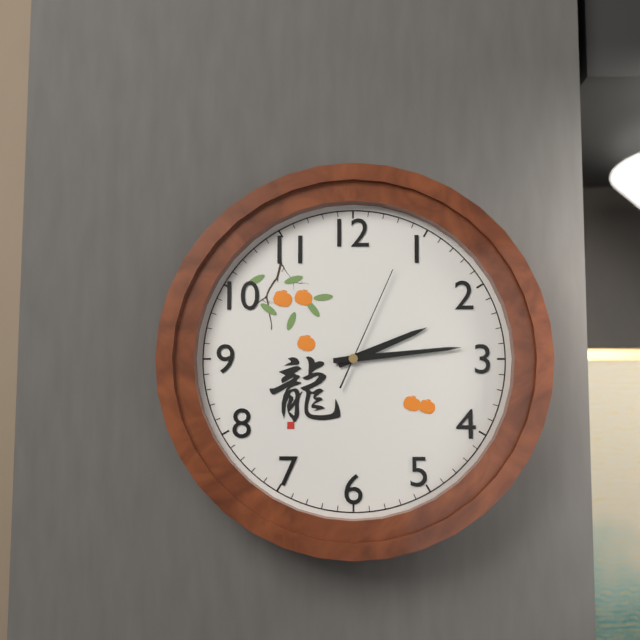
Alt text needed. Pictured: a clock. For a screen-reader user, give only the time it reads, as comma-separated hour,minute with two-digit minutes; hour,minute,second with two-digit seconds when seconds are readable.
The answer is 2,14,04
